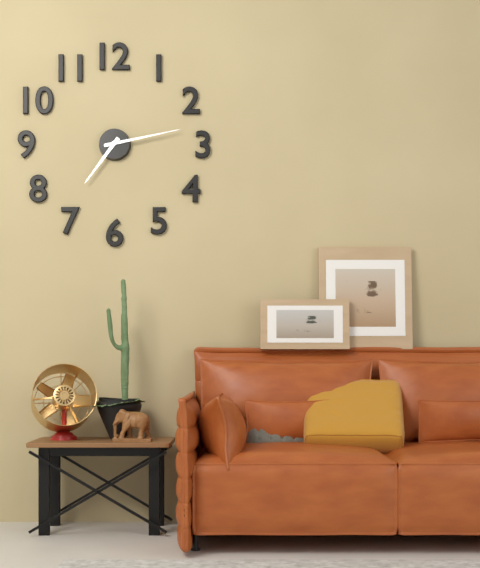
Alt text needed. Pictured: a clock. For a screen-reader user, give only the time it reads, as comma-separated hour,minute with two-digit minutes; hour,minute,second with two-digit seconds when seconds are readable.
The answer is 7,13
